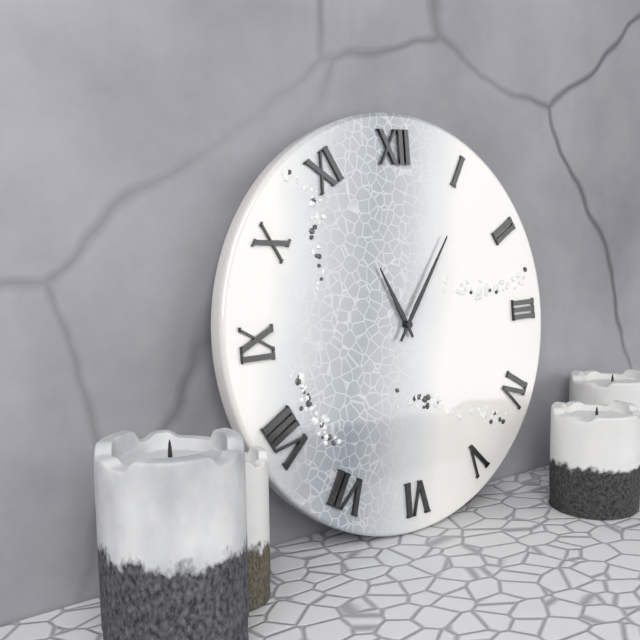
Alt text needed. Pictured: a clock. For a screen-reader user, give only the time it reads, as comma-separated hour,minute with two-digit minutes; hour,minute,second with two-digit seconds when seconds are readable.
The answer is 11,06
